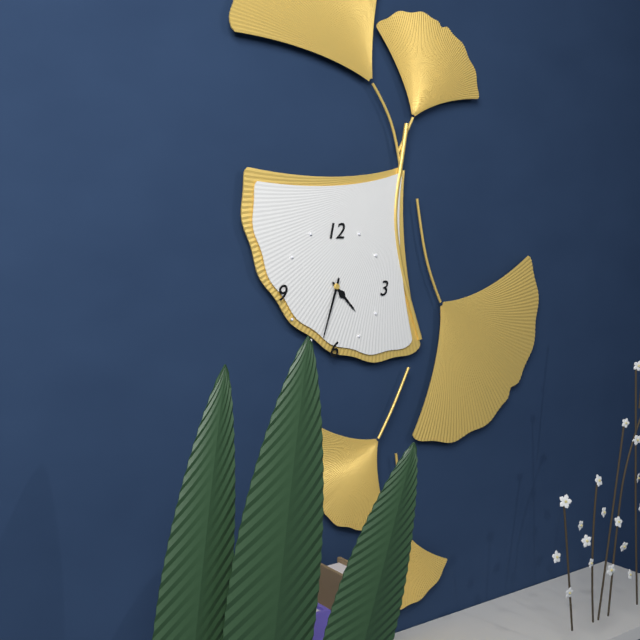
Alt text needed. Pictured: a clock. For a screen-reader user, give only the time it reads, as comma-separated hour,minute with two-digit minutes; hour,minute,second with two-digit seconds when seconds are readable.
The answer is 4,33
